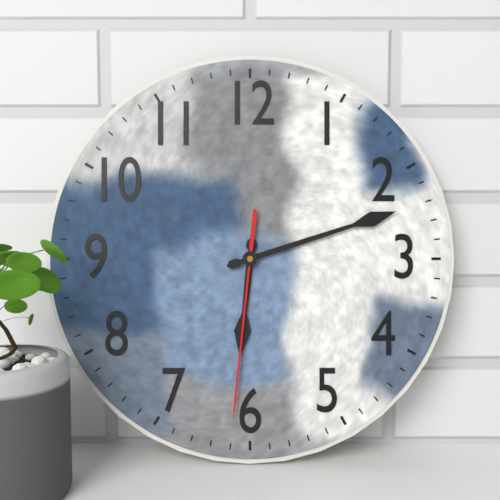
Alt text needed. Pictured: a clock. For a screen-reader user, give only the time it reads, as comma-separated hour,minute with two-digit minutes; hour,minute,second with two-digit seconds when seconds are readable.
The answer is 6,12,31
